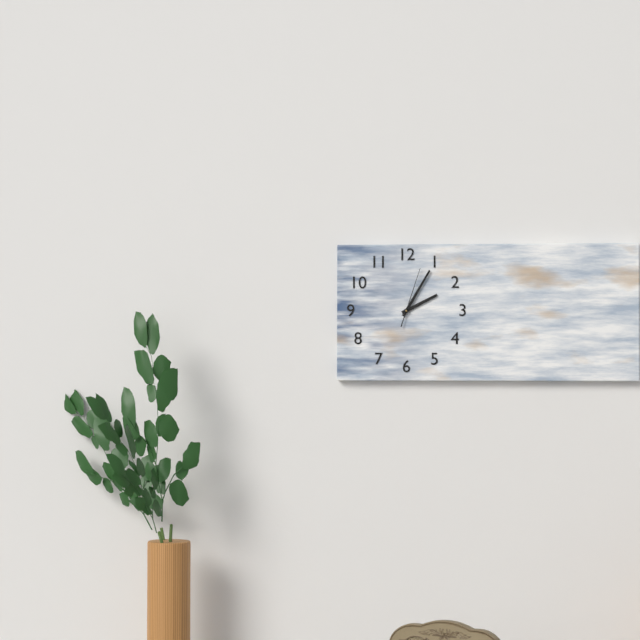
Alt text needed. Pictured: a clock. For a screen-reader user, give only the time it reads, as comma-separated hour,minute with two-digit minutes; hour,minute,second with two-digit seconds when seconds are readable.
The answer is 2,05,03
